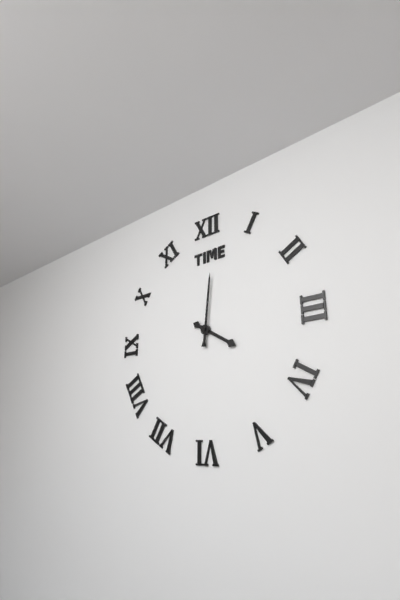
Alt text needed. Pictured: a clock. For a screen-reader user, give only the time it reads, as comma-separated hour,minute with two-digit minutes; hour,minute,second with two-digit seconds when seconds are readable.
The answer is 4,01
